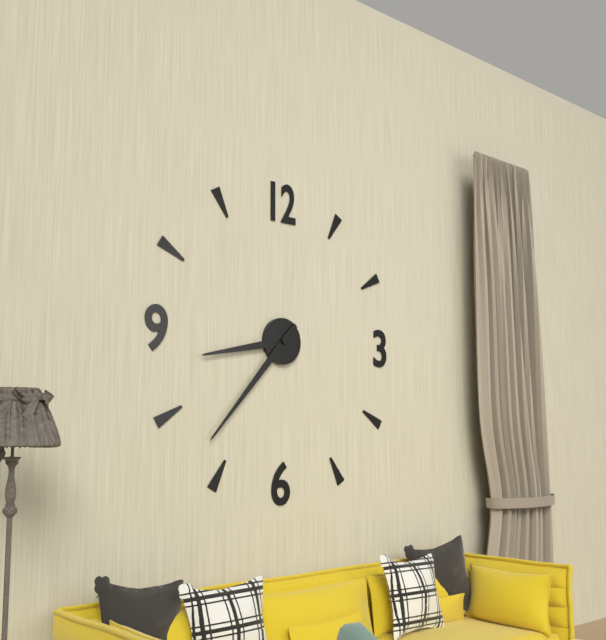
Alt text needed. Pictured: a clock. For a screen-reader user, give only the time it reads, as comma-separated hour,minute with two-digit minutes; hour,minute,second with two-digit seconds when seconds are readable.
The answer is 8,37
